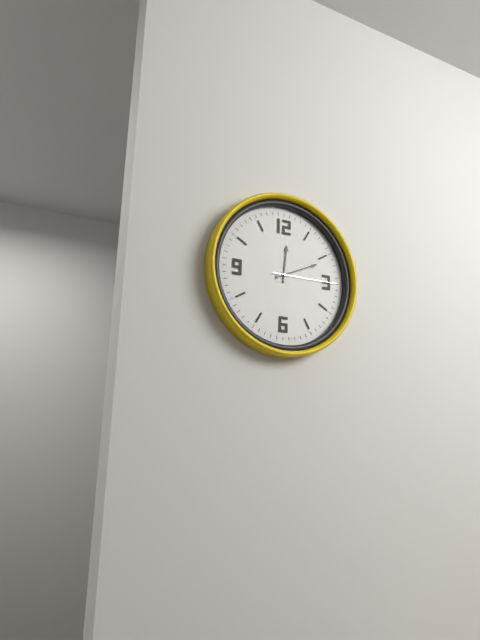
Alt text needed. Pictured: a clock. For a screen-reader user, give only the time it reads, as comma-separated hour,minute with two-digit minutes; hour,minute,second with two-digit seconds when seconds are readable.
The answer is 12,11,15
